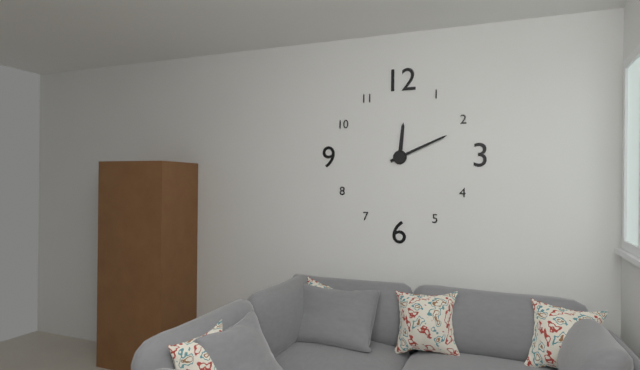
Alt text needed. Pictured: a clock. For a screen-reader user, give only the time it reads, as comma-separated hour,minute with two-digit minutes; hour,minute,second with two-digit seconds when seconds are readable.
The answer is 12,11
